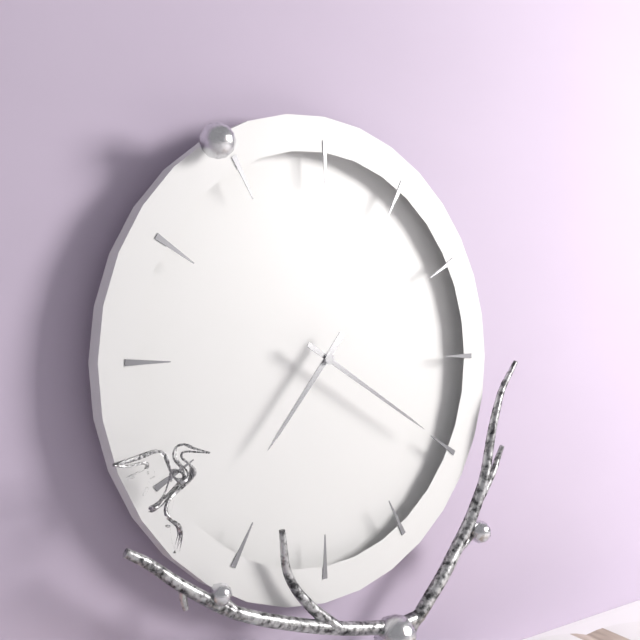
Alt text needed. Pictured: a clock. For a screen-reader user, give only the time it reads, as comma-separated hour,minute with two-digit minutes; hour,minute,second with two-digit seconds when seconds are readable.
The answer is 7,20
